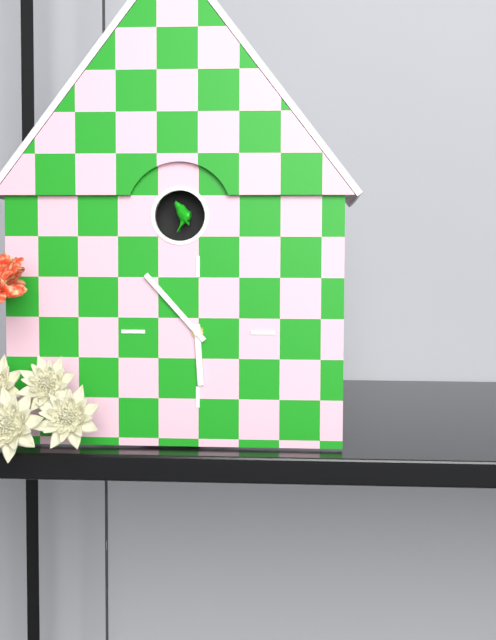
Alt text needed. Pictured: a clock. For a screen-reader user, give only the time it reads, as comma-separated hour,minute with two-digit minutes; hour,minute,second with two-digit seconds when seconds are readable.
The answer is 5,53
